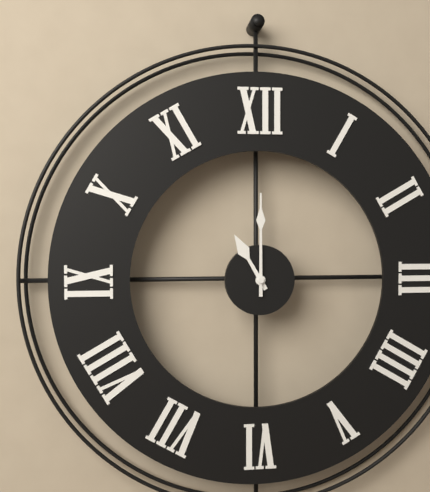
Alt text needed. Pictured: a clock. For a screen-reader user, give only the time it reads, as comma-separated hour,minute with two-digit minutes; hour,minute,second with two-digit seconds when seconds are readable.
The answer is 11,00
